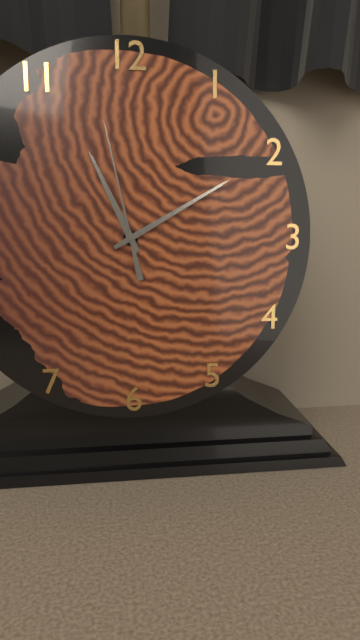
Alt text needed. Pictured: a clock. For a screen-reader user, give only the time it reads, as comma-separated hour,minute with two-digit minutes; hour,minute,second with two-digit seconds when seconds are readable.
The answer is 11,10,58
